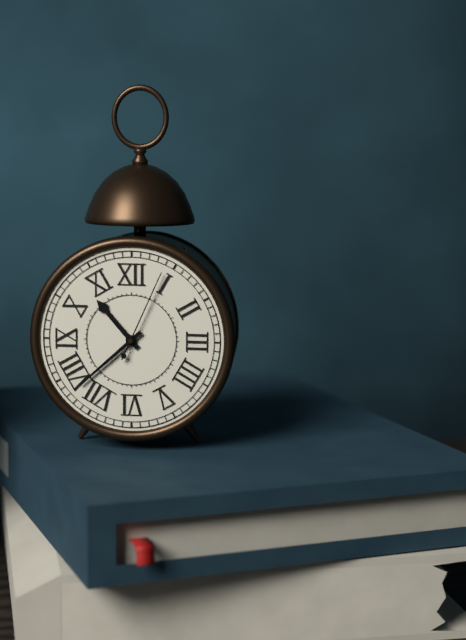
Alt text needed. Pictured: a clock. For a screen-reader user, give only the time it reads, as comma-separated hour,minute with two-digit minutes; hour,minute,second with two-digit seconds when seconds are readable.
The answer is 10,38,04
